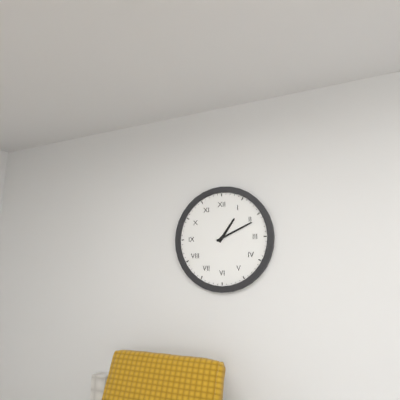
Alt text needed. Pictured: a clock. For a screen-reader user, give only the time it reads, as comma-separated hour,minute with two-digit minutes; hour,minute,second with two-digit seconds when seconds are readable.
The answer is 1,11
